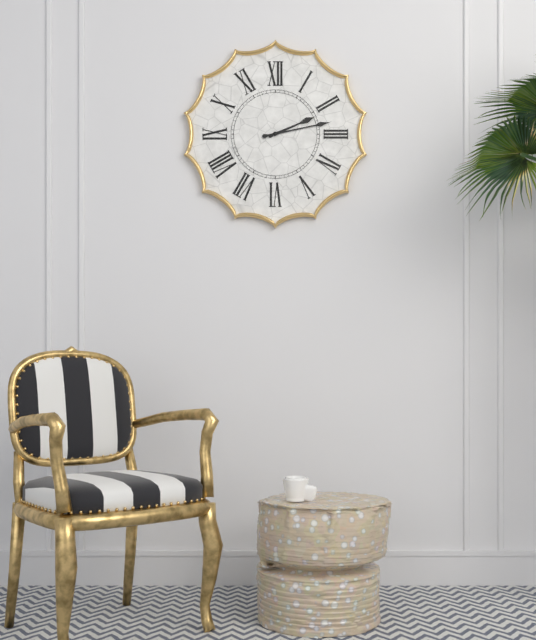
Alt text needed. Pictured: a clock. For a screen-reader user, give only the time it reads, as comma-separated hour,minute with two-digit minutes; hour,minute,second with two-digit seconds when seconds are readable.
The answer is 2,13
